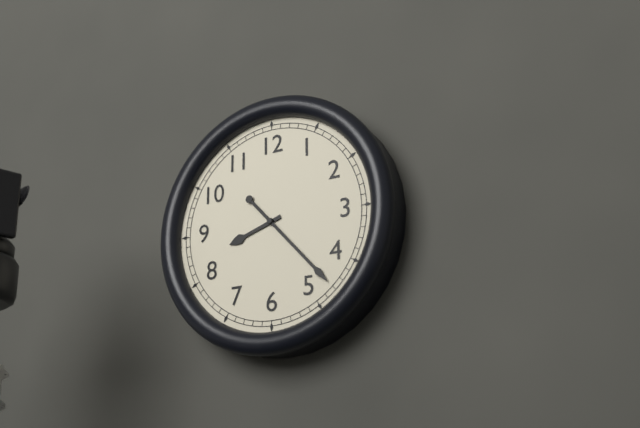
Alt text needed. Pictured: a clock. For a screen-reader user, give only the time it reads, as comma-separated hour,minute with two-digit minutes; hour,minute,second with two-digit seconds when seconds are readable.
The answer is 8,23
